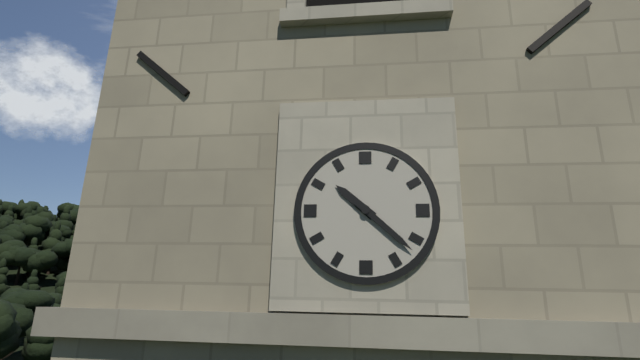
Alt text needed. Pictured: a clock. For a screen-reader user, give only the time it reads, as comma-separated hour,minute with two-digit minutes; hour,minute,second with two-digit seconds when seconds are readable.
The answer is 10,22
